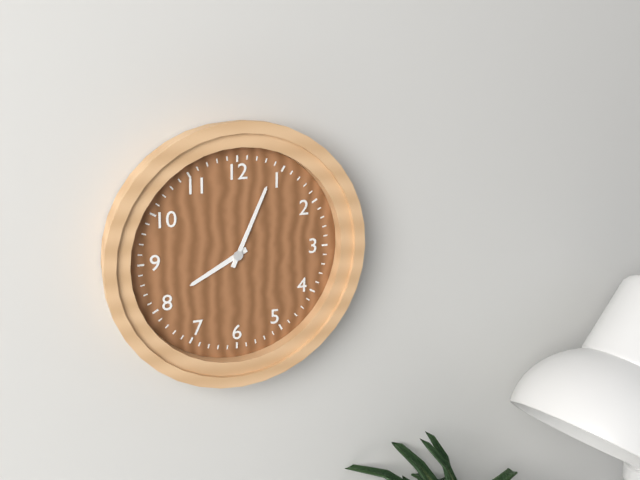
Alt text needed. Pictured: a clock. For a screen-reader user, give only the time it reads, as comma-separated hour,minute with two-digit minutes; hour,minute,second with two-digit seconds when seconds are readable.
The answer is 8,04
